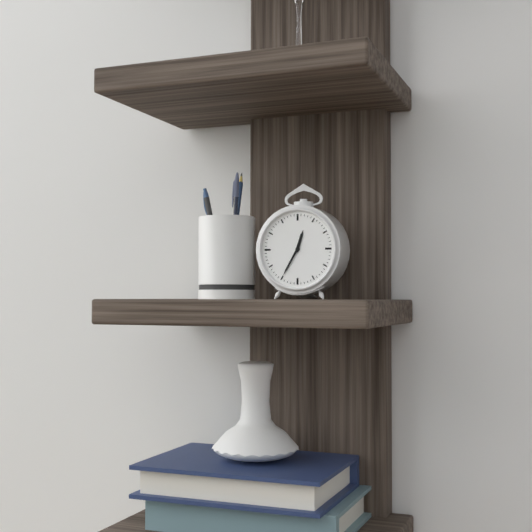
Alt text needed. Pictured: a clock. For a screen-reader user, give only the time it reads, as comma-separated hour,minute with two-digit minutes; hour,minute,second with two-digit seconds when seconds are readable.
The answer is 12,35
